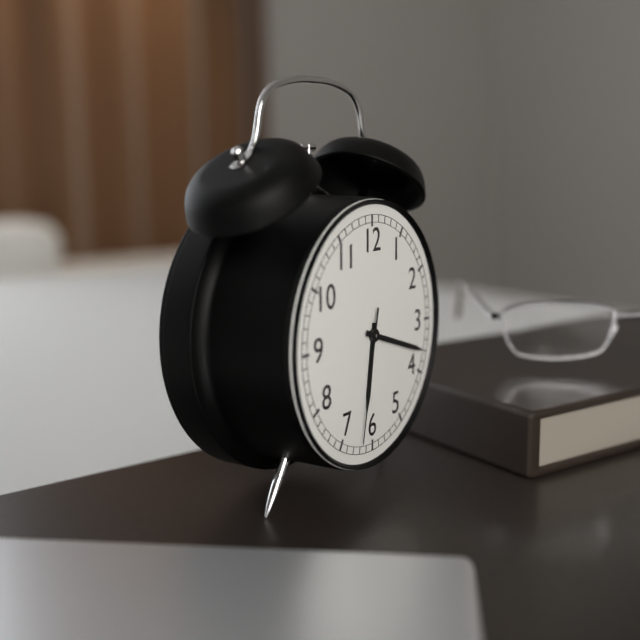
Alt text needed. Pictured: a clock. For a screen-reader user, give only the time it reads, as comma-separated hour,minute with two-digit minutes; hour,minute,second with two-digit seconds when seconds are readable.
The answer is 6,18,32
